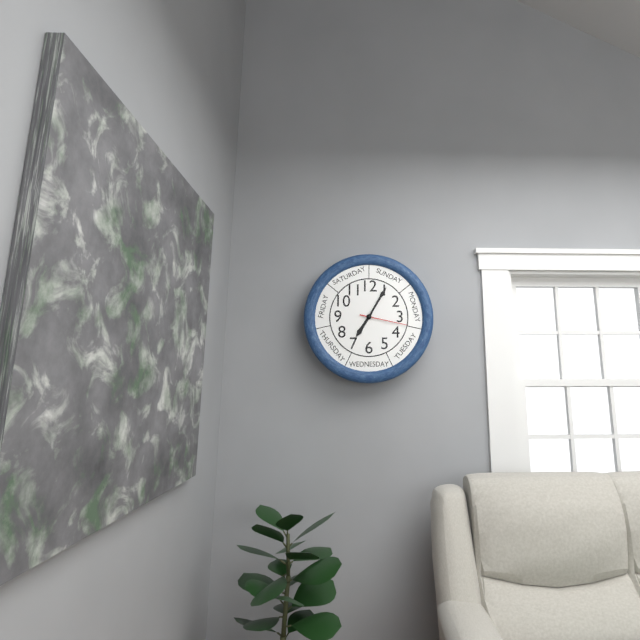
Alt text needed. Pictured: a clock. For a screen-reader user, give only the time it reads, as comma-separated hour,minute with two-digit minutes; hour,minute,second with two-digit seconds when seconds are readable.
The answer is 7,05
